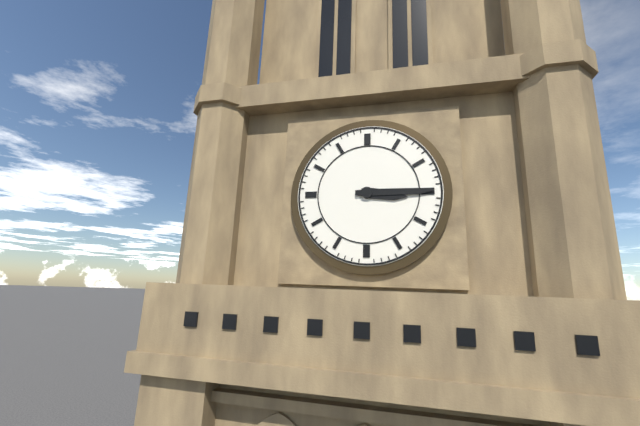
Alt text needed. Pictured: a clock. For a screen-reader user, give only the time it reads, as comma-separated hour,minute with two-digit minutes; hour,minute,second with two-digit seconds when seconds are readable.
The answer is 3,15
